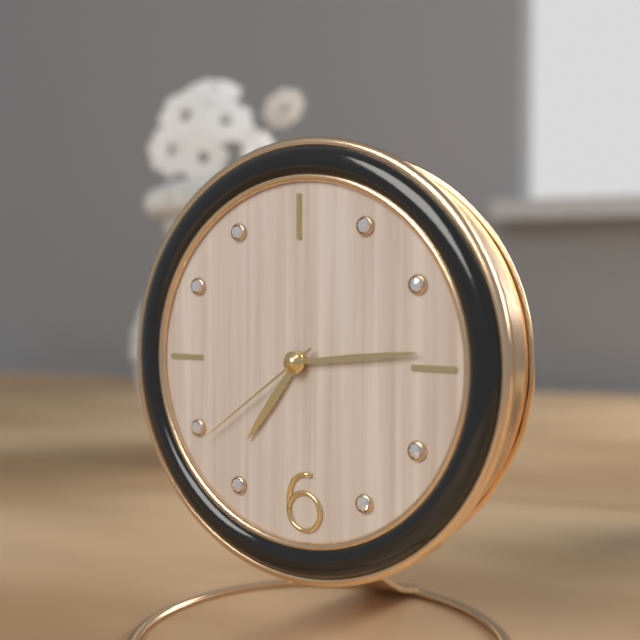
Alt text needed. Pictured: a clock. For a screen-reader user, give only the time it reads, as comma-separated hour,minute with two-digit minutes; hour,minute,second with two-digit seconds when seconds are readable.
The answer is 7,14,39
